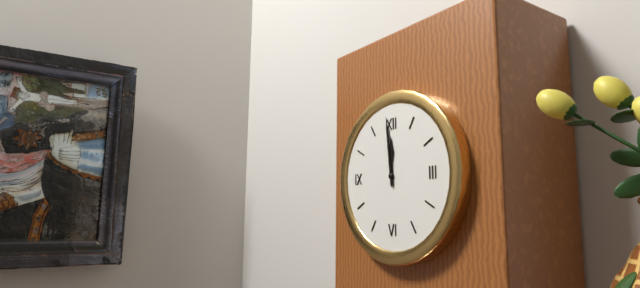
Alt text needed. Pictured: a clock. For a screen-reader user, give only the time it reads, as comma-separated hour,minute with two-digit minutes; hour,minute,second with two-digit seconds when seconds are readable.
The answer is 11,59
